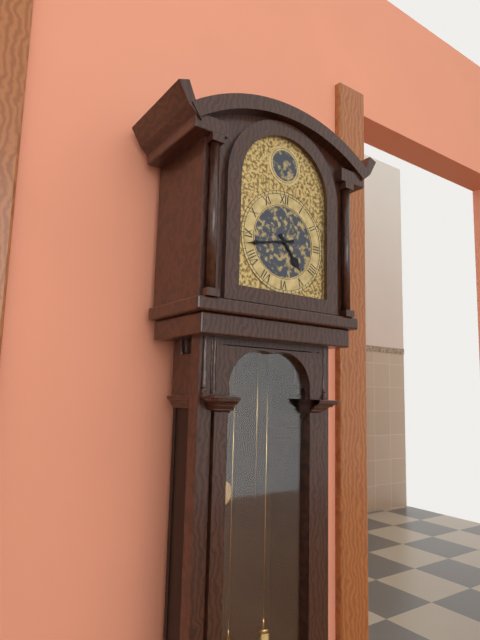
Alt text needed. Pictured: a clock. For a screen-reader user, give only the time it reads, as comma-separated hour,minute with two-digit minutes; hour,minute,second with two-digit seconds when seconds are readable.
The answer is 4,43
